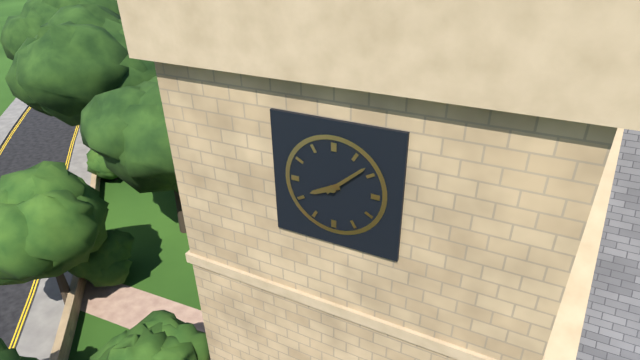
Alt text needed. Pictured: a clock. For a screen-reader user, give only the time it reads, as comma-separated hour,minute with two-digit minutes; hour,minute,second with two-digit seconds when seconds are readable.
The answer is 8,08
